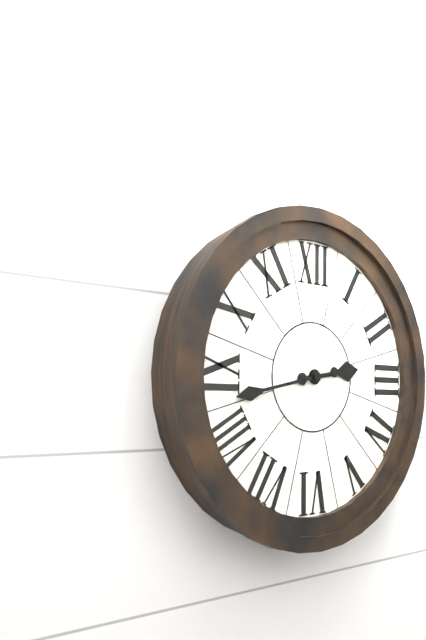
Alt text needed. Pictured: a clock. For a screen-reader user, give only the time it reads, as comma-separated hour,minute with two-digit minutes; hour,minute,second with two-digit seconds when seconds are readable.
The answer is 2,43
